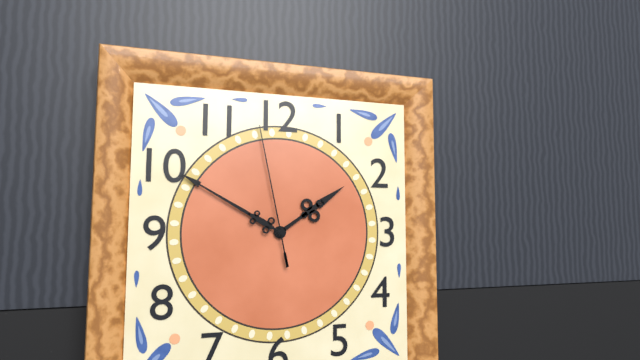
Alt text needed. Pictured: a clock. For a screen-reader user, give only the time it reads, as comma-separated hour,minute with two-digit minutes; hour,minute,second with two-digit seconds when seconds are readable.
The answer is 1,50,58
